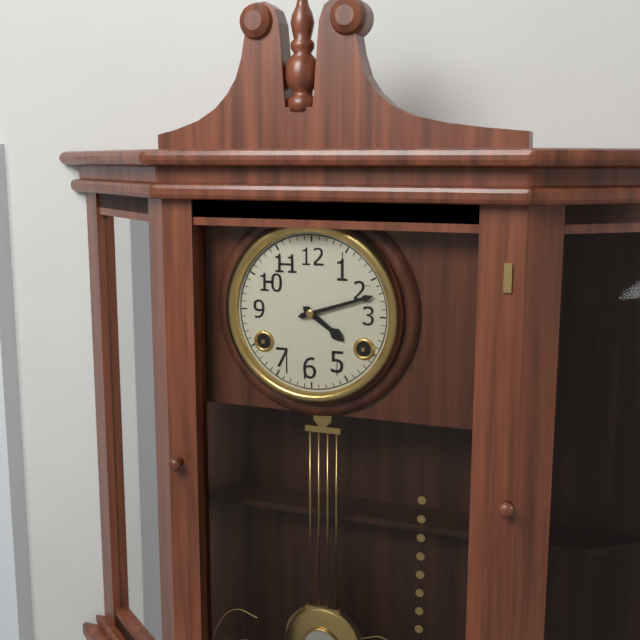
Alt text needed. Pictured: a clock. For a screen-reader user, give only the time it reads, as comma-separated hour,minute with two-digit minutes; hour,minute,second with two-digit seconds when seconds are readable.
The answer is 4,12
